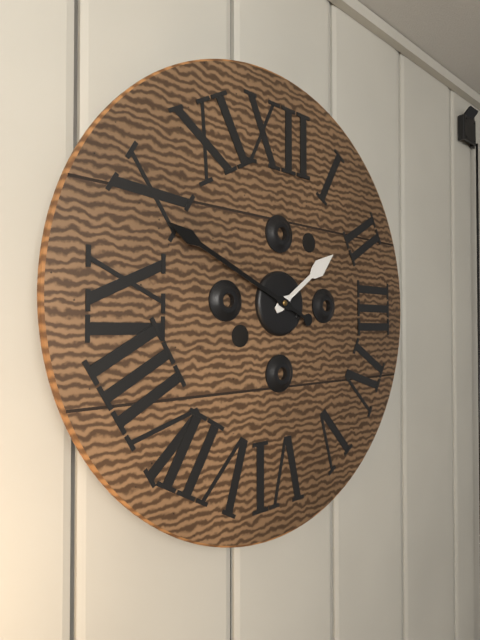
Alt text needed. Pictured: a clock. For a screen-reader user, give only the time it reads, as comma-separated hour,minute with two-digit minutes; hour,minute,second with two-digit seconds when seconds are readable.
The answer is 1,49
